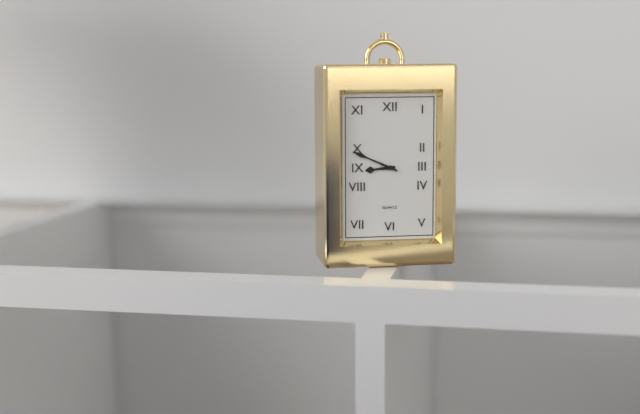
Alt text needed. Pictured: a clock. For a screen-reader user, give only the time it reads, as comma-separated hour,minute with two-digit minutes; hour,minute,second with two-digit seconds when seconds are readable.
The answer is 8,49
